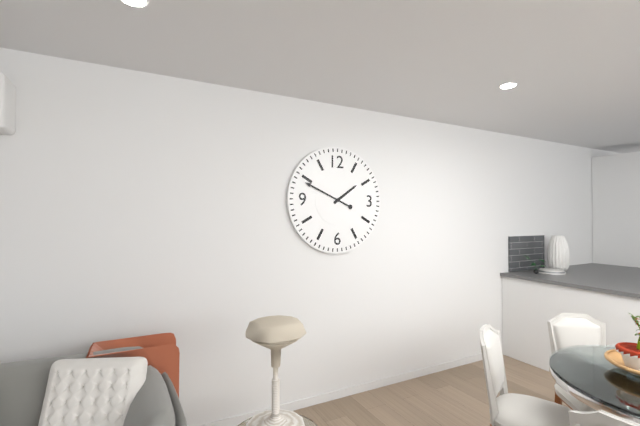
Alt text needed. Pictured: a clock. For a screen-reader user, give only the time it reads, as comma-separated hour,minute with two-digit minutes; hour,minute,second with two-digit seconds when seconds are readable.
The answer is 1,49
